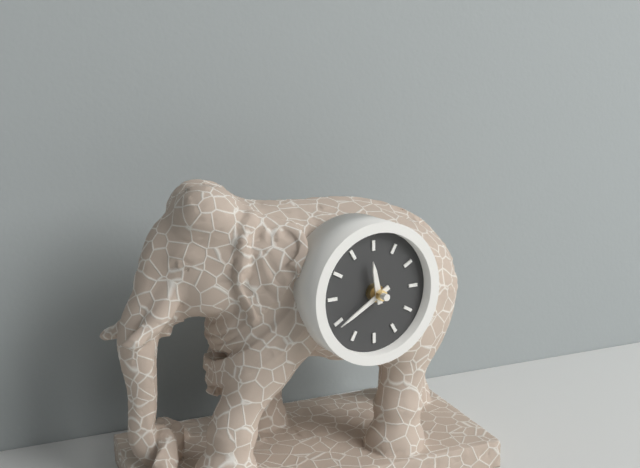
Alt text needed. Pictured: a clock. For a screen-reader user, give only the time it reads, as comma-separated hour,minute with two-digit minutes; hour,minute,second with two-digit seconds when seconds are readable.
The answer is 11,40
